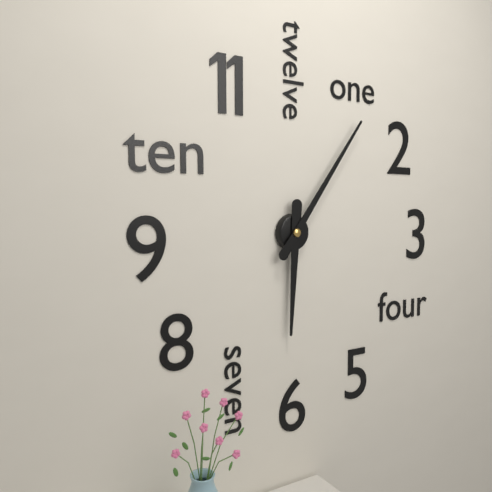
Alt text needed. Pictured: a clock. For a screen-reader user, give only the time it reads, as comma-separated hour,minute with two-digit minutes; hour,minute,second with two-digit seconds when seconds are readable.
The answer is 6,06
